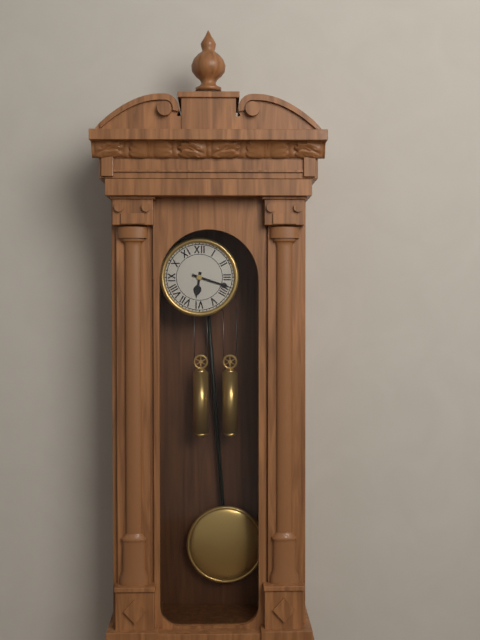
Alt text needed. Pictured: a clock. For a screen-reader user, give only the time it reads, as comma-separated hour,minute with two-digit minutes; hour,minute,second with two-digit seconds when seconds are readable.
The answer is 6,18
